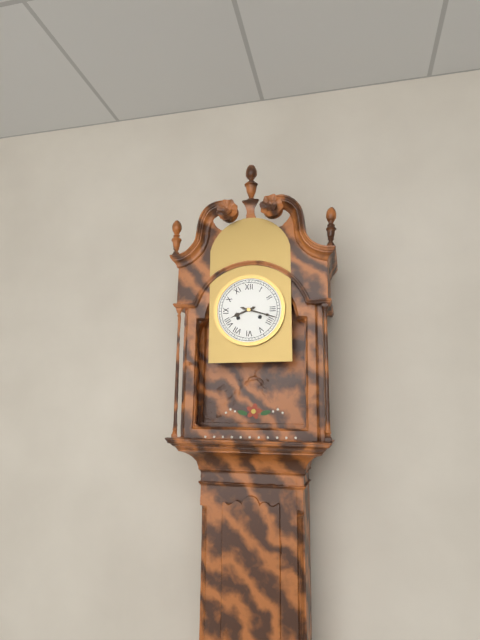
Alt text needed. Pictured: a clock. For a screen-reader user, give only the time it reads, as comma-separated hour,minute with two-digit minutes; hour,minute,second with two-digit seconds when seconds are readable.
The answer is 8,18
